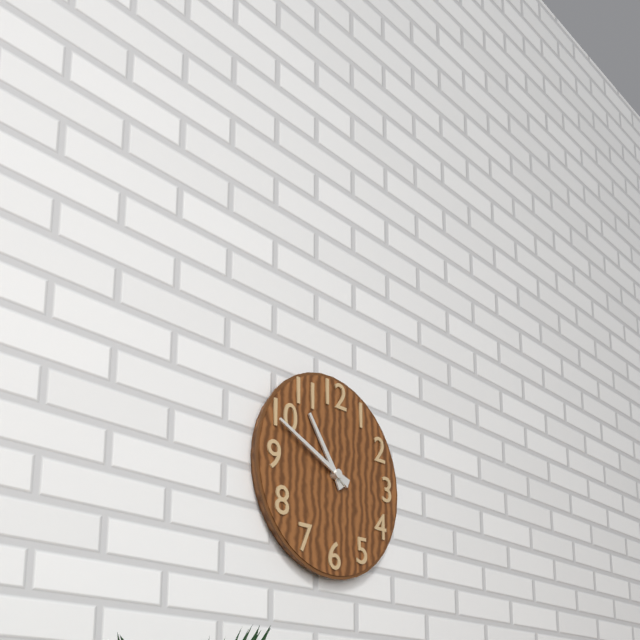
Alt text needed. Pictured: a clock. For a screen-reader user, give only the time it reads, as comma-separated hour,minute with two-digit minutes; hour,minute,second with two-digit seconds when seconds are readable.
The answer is 10,49
